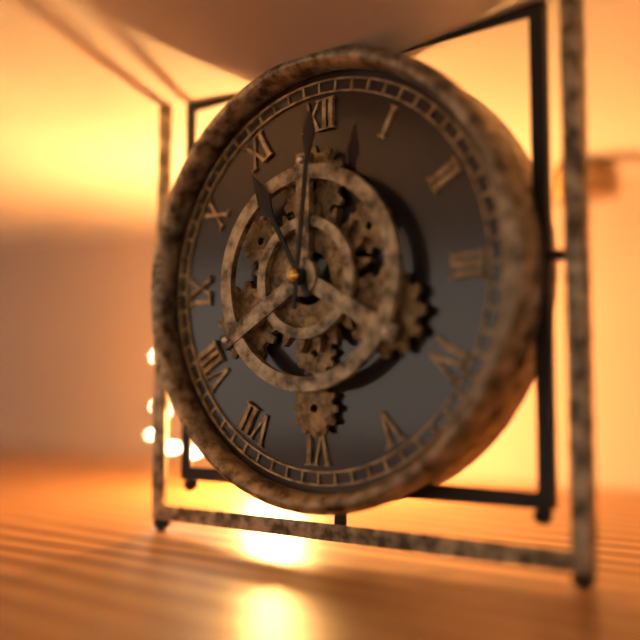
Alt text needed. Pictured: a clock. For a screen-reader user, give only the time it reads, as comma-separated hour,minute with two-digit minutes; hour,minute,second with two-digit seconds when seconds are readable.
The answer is 11,01
